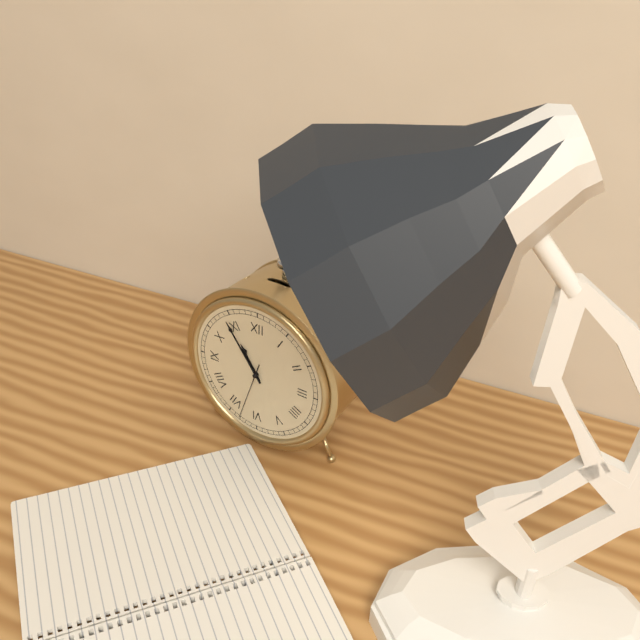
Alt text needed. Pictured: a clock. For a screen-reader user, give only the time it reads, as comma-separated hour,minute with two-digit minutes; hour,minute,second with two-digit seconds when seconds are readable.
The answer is 10,54,33
